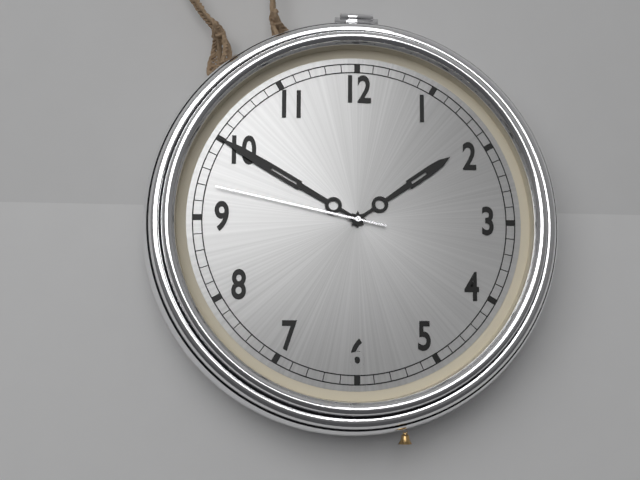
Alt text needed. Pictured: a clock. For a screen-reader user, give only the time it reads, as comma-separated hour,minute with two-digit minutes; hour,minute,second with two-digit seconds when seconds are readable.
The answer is 1,50,47
